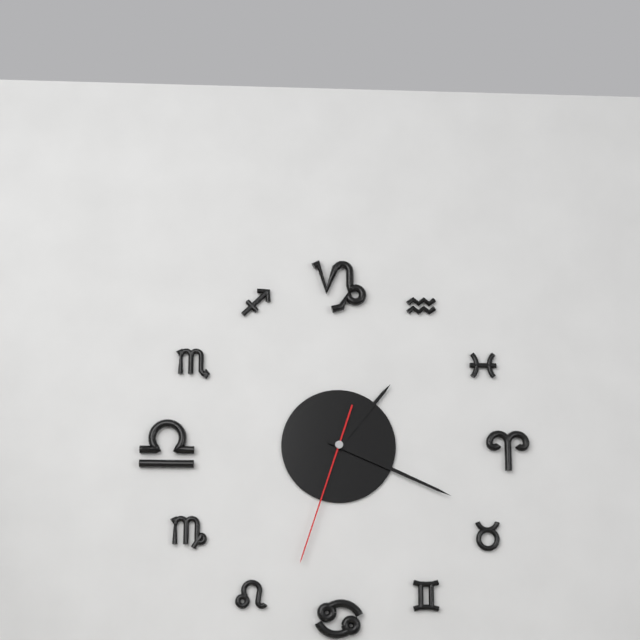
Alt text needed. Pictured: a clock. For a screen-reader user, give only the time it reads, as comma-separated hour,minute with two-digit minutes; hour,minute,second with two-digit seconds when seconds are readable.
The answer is 1,19,33
